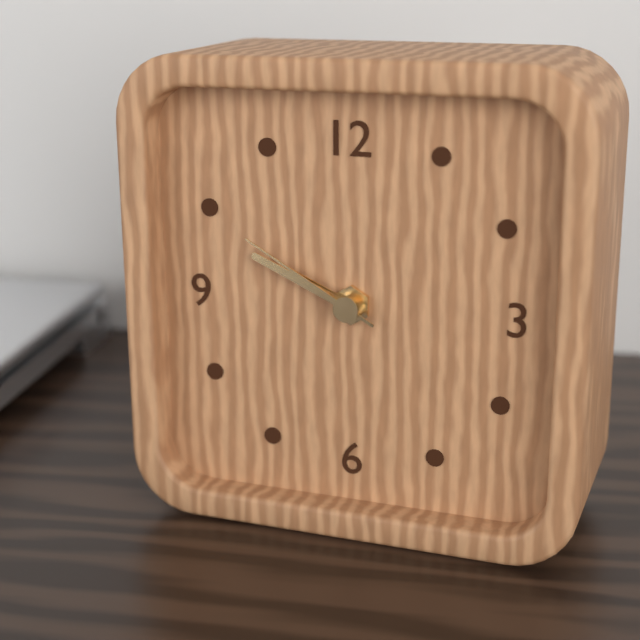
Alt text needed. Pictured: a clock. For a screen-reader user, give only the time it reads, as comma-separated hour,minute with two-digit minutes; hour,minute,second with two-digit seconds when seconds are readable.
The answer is 9,49,50
